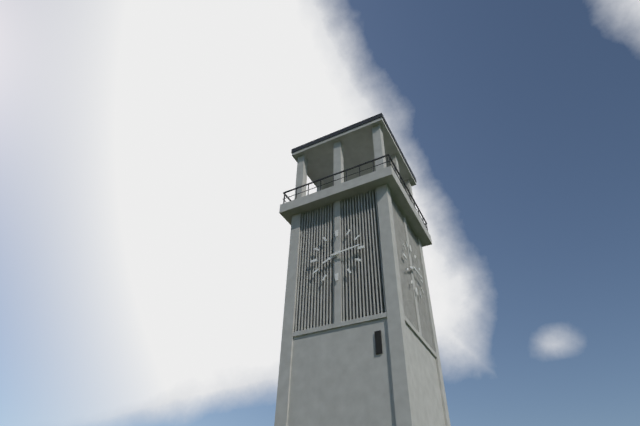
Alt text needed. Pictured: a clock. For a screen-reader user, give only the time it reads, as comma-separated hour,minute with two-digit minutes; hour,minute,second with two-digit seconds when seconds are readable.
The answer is 8,14
